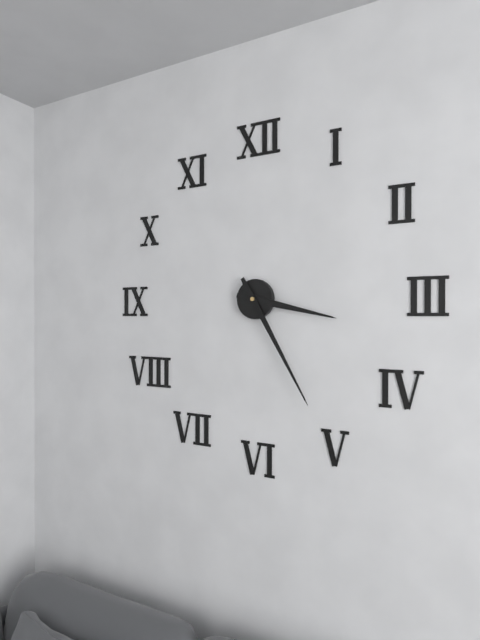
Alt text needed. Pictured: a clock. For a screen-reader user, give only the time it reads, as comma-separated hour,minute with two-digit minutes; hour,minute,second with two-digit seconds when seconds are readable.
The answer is 3,25
